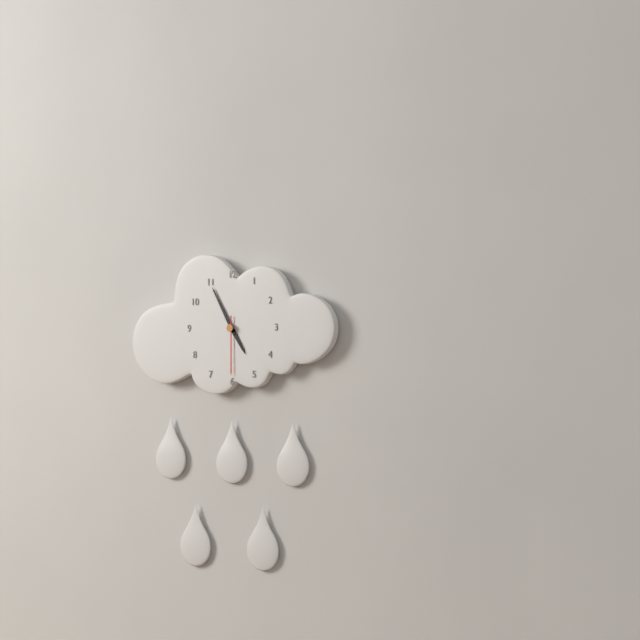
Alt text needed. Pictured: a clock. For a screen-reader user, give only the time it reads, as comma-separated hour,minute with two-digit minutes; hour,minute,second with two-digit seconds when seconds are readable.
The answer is 4,55,30
